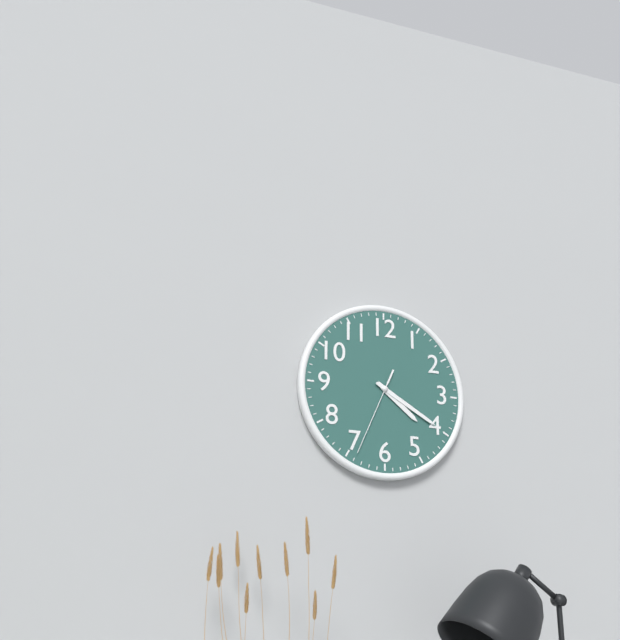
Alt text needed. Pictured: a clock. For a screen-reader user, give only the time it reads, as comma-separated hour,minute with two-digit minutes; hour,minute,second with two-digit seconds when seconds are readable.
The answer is 4,20,34
